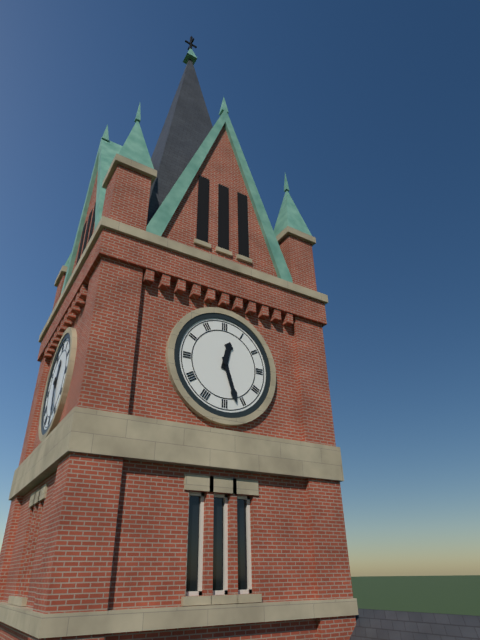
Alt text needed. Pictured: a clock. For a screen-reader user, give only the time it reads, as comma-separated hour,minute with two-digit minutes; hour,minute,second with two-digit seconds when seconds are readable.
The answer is 12,27
